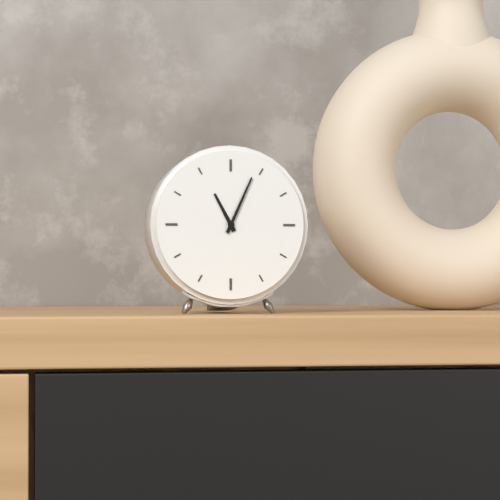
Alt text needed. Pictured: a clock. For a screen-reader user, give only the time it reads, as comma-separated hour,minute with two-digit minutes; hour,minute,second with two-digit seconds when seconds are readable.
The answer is 11,04
